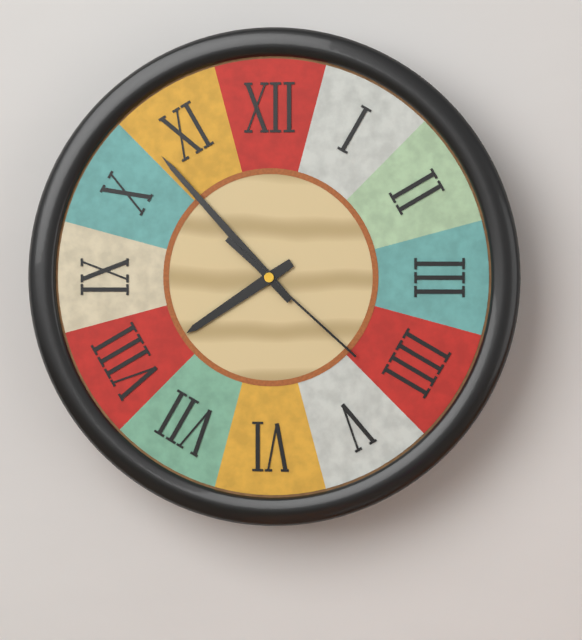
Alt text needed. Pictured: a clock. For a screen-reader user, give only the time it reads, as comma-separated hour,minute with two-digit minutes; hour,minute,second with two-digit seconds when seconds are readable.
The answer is 7,53,22
